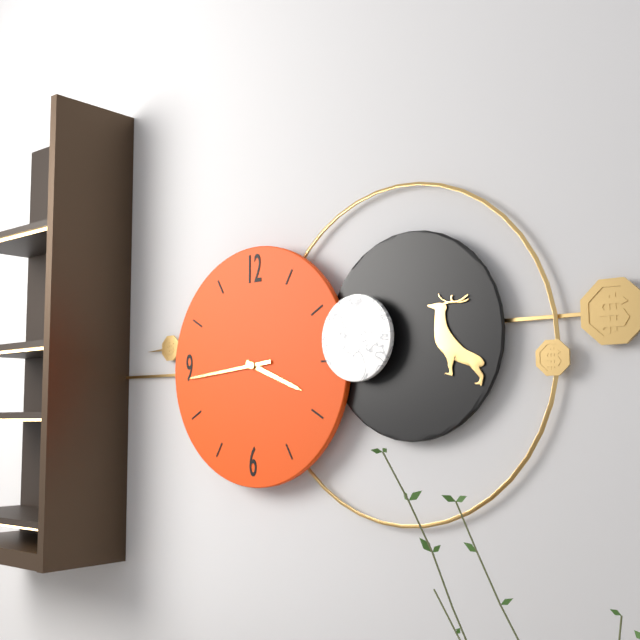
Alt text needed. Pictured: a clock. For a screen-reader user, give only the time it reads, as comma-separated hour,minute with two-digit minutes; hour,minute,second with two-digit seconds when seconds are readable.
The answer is 3,44
